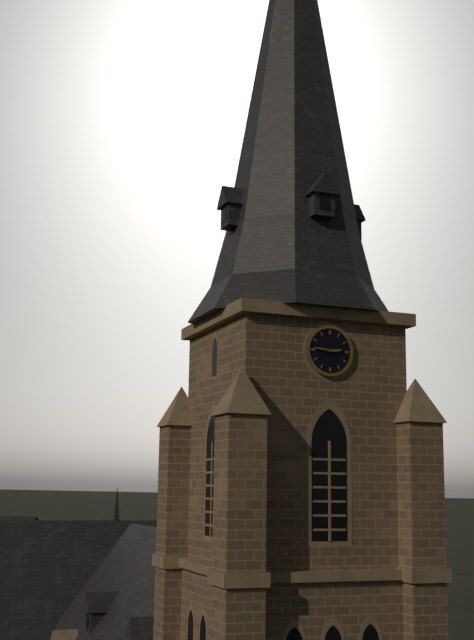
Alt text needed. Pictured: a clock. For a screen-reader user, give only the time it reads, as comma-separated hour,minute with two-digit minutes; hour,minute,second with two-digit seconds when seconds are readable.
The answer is 2,46
